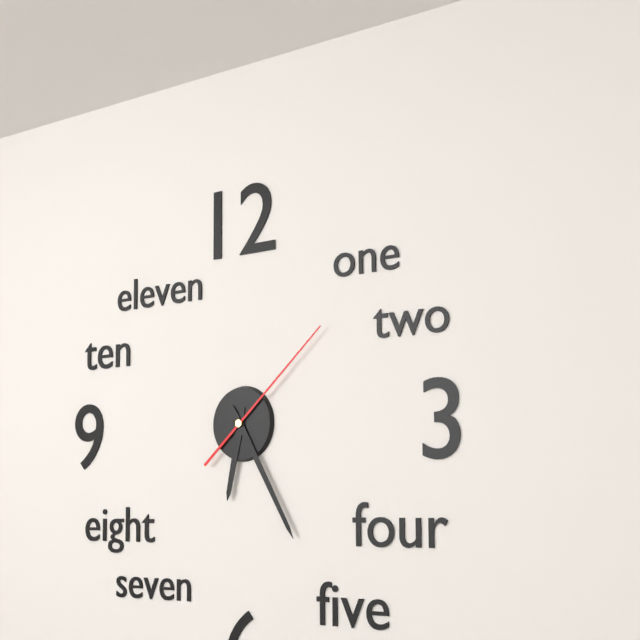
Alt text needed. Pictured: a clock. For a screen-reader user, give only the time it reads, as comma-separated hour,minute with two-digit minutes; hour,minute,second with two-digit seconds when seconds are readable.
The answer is 6,25,08
